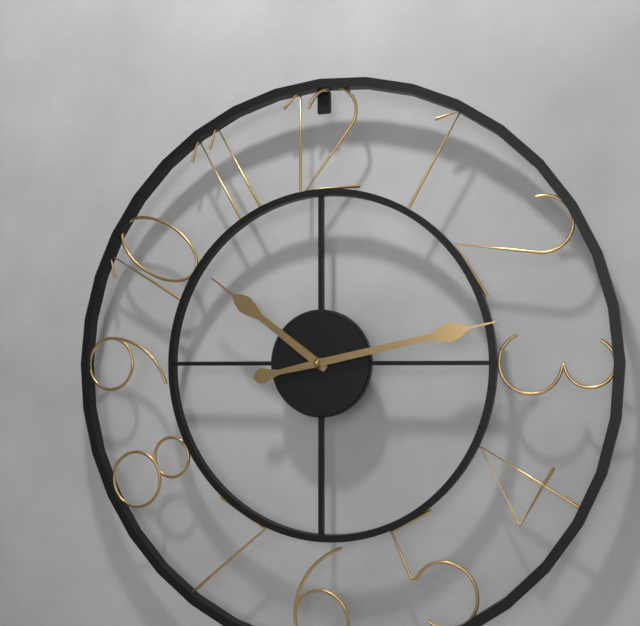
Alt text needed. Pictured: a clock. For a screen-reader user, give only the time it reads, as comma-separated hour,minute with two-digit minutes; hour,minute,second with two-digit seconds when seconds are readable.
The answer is 10,13
